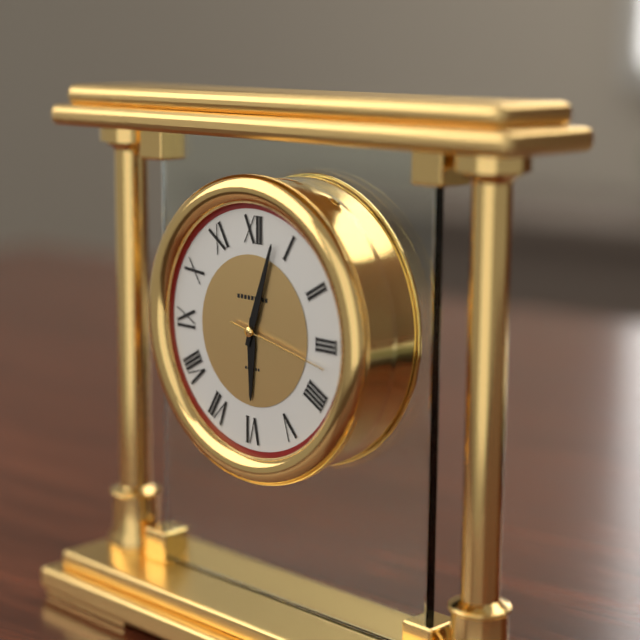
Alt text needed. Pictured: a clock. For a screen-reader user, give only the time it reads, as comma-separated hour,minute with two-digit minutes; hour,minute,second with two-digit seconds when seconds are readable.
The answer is 6,03,17
